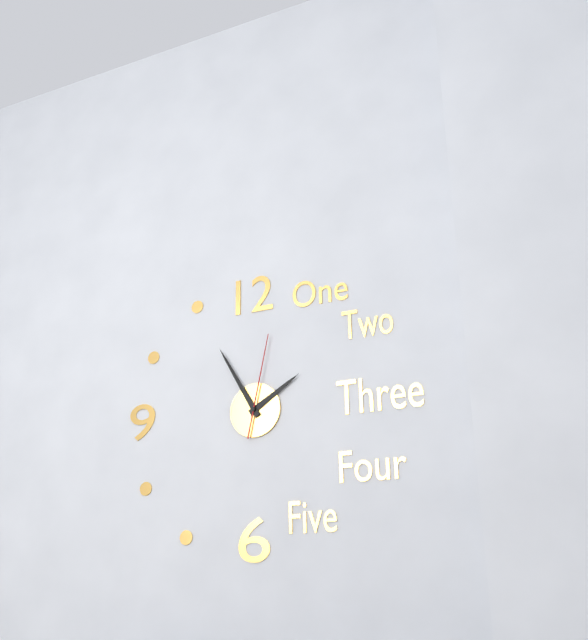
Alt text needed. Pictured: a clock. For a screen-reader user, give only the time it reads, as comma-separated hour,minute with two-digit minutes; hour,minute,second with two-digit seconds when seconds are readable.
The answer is 1,55,02
